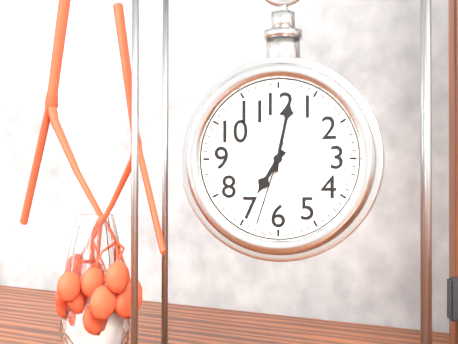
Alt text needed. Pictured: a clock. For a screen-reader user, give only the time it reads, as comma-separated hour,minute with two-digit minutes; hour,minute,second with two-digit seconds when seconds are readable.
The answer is 7,02,33
